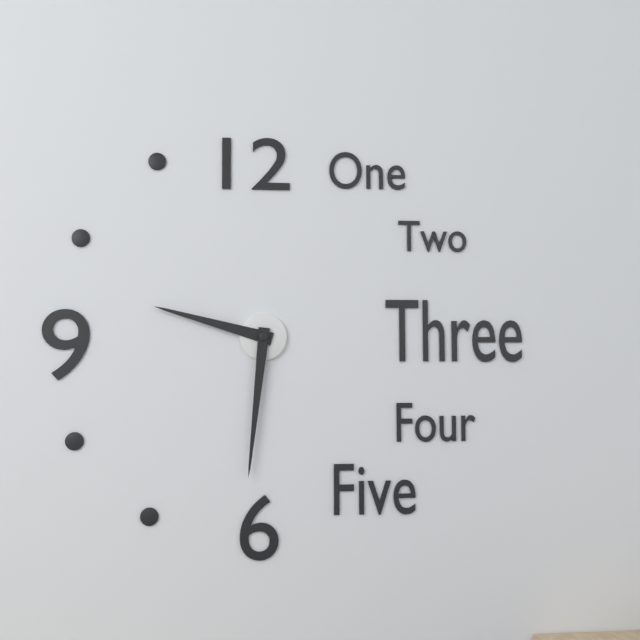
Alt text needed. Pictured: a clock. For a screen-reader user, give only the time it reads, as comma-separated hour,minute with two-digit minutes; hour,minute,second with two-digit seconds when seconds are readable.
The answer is 9,31
